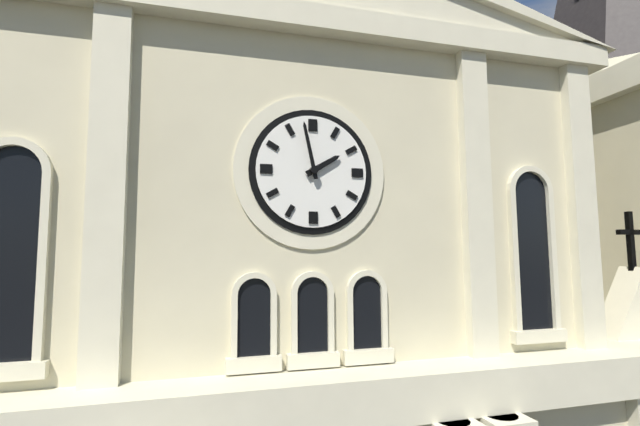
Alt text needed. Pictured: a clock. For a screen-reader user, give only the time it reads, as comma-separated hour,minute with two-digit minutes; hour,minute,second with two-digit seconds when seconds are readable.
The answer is 1,58
